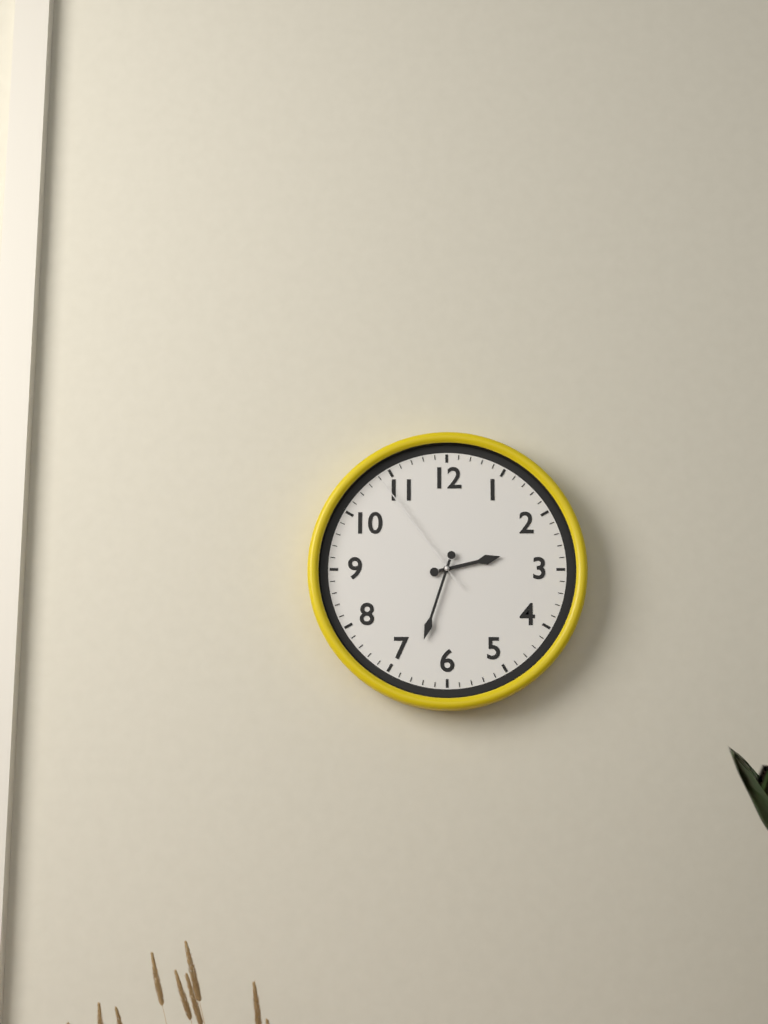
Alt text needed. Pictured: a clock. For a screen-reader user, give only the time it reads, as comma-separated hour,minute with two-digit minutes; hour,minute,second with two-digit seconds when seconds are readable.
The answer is 2,33,54
